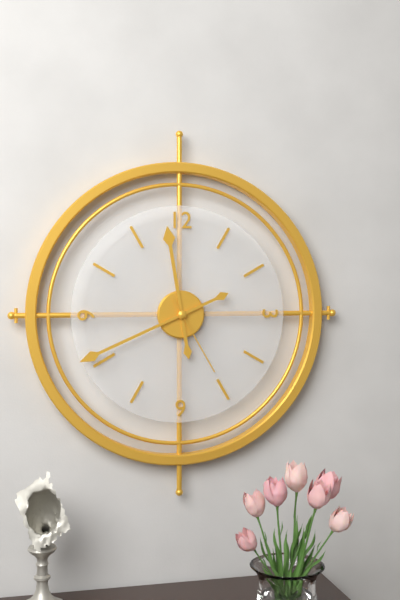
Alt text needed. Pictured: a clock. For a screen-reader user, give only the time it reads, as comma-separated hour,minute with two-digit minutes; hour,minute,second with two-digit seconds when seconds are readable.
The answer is 11,41,25
